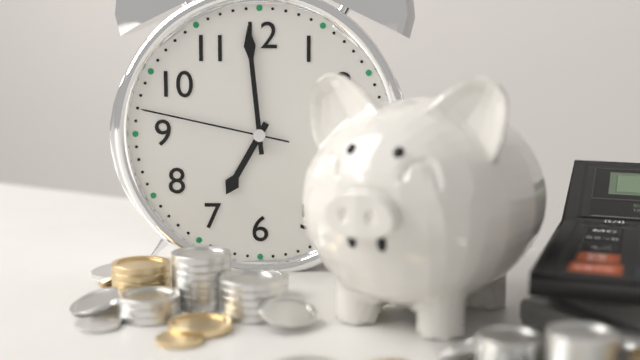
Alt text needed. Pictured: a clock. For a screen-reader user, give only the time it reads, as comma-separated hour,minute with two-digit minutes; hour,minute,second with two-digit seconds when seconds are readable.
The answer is 6,59,47
